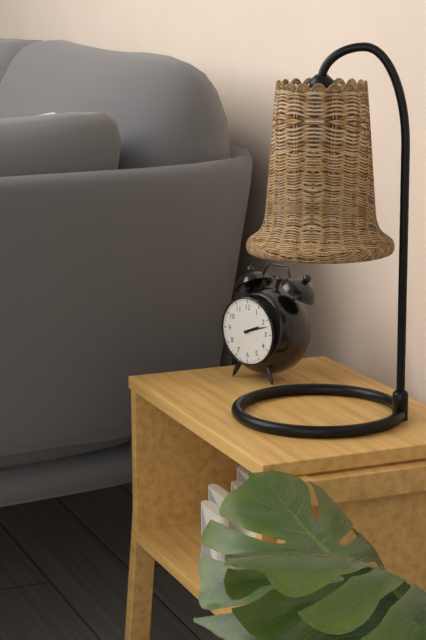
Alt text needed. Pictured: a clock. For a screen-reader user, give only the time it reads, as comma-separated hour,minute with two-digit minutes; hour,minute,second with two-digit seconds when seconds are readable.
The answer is 2,12
